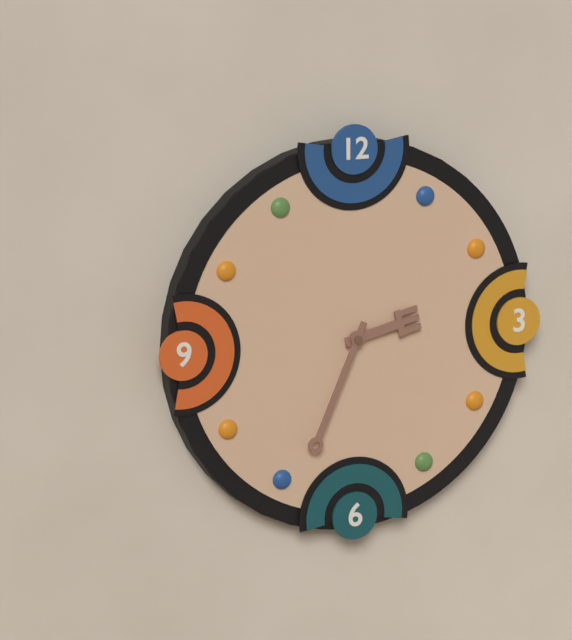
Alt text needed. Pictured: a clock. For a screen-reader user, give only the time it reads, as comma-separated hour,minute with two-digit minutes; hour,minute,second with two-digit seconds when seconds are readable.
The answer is 2,34
